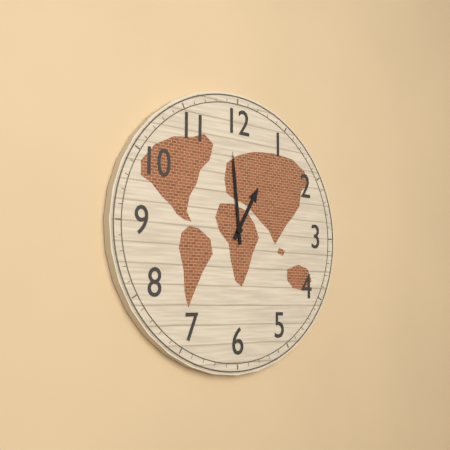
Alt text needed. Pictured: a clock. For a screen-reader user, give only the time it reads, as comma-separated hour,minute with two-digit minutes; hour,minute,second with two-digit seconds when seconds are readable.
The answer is 12,59
